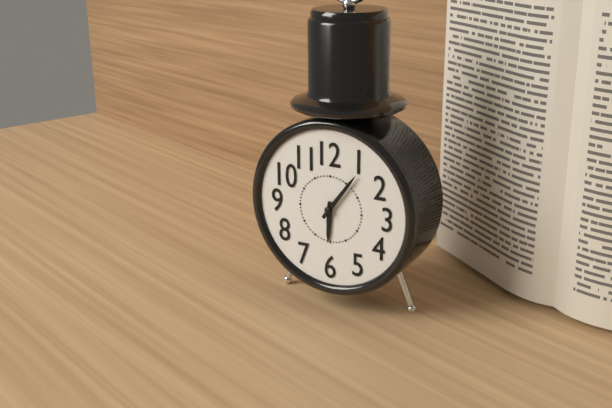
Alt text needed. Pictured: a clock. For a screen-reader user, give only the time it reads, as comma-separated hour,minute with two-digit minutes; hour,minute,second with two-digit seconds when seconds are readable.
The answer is 6,06
